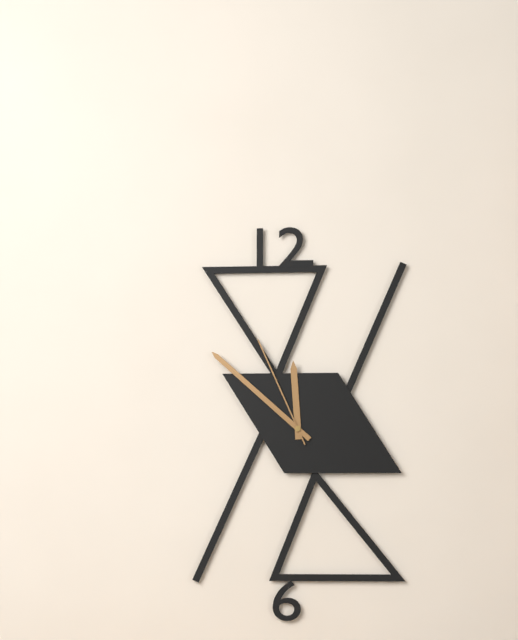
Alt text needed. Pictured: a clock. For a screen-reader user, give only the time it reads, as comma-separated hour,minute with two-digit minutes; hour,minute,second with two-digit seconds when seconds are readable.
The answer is 11,52,56
